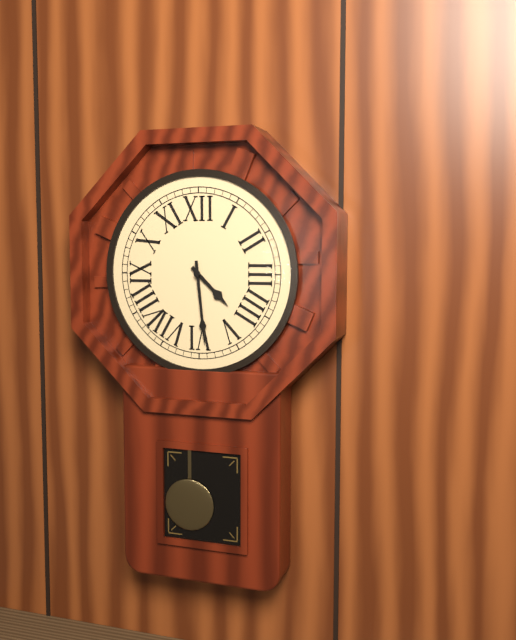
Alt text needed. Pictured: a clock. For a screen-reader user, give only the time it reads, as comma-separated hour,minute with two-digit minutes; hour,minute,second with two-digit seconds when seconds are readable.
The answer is 4,29
